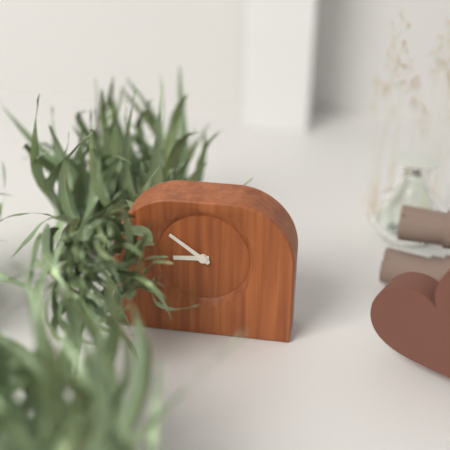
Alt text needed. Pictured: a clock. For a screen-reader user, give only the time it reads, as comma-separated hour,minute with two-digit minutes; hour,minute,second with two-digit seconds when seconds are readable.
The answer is 8,51
